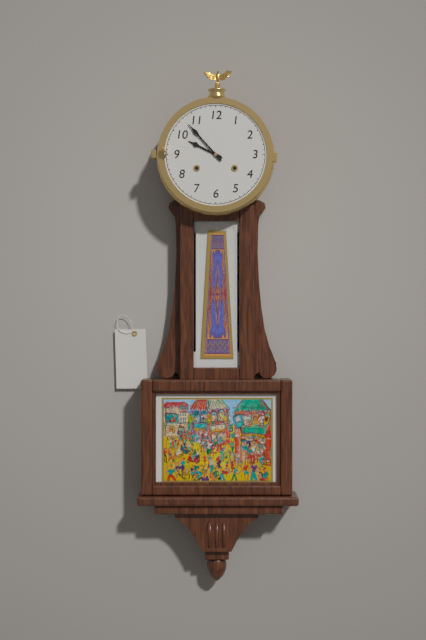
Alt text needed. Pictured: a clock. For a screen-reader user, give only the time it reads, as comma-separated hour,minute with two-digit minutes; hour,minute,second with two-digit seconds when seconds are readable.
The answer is 9,53
